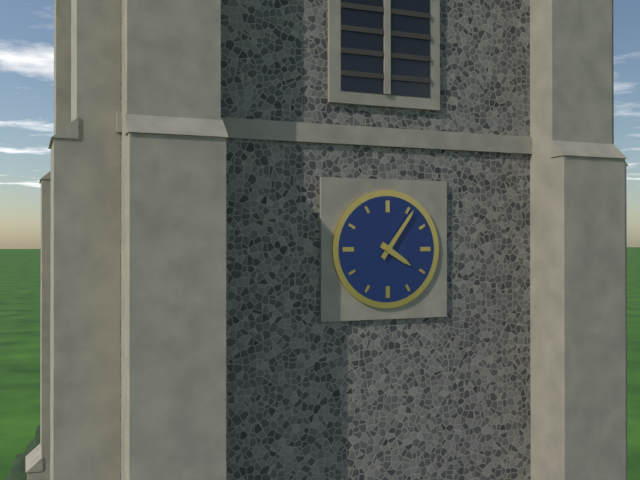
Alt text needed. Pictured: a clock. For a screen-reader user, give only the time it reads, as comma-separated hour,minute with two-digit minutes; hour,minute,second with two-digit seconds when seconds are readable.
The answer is 4,06
